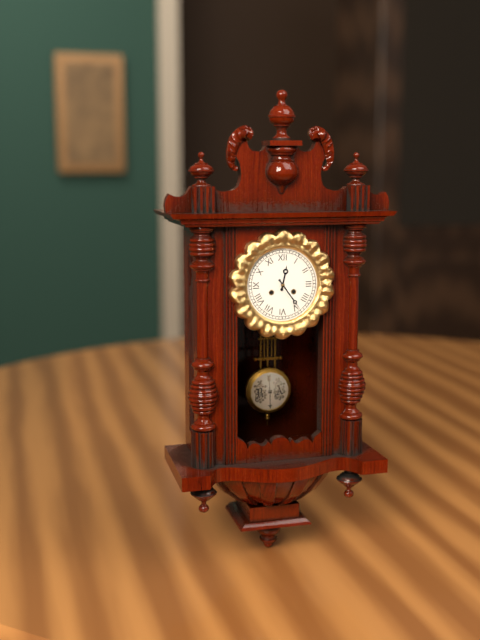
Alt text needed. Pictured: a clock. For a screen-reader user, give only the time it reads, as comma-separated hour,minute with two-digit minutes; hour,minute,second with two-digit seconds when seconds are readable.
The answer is 12,24
